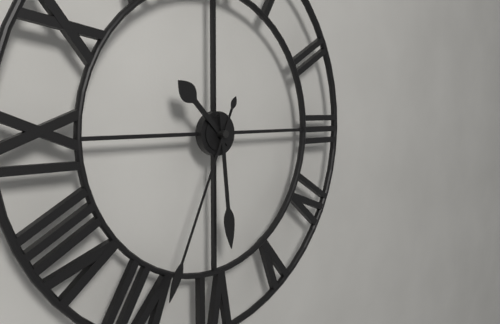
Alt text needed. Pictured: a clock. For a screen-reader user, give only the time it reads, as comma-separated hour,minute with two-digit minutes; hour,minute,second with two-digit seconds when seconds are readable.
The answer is 10,29,34
